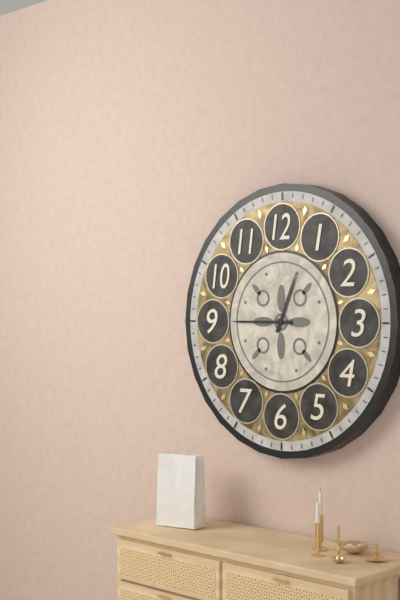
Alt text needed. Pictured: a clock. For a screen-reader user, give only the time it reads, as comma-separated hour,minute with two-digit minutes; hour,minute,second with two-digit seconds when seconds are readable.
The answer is 12,45
